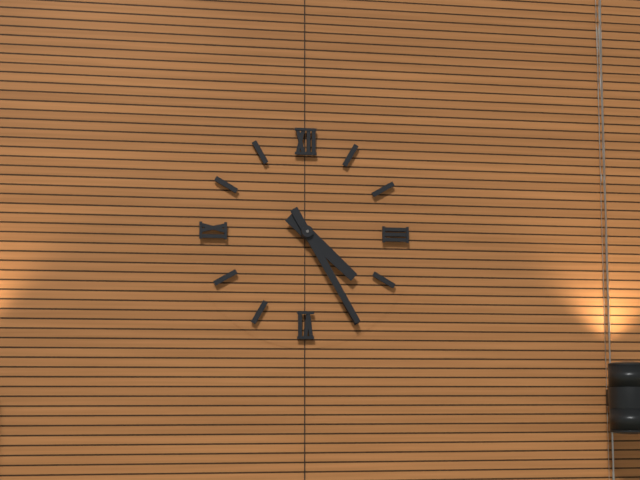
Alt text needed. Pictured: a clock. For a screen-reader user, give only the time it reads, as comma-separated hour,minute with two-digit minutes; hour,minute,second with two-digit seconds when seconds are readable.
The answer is 4,25
